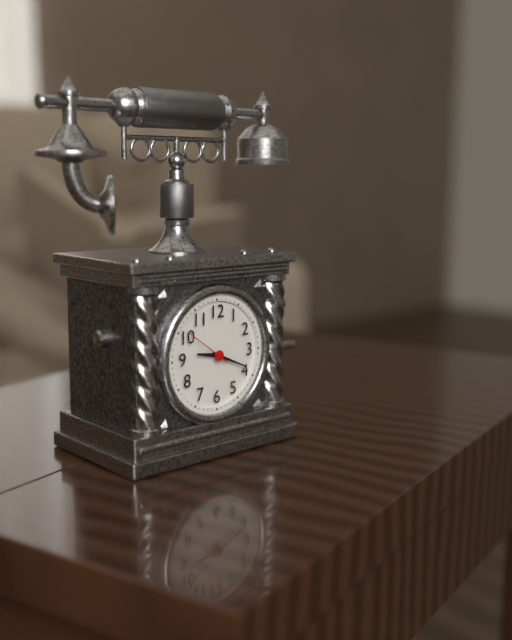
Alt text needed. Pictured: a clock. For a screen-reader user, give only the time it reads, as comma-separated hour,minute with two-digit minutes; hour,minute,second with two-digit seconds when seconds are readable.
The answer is 9,19
